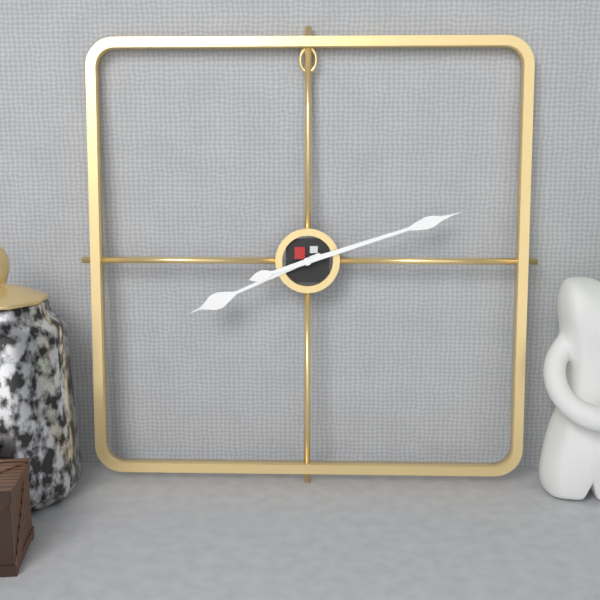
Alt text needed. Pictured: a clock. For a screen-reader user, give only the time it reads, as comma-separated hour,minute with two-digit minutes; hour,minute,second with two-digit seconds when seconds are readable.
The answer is 8,12
